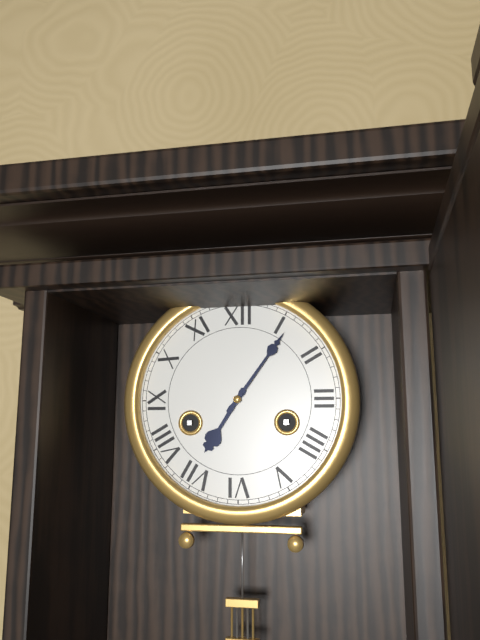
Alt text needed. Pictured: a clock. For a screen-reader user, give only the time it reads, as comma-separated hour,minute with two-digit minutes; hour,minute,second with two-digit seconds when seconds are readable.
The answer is 7,06
